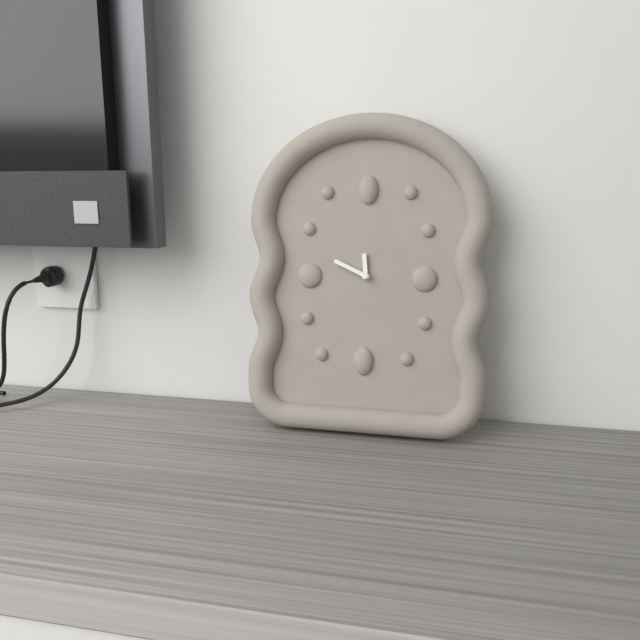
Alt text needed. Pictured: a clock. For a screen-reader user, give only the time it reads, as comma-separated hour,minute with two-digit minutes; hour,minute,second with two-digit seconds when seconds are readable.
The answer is 11,49
